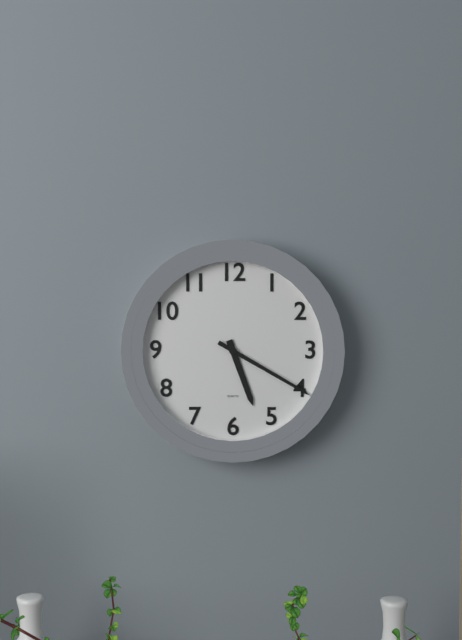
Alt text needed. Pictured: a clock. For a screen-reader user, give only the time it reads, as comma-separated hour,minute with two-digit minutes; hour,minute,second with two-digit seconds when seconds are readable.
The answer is 5,20
